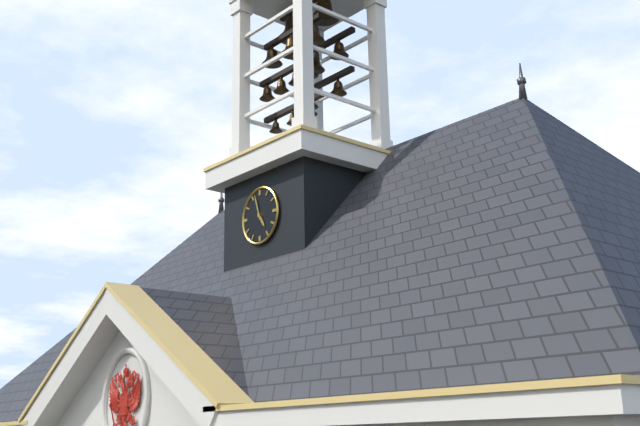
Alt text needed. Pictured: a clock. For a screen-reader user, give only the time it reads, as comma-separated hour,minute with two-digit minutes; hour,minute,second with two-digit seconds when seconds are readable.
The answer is 4,57
